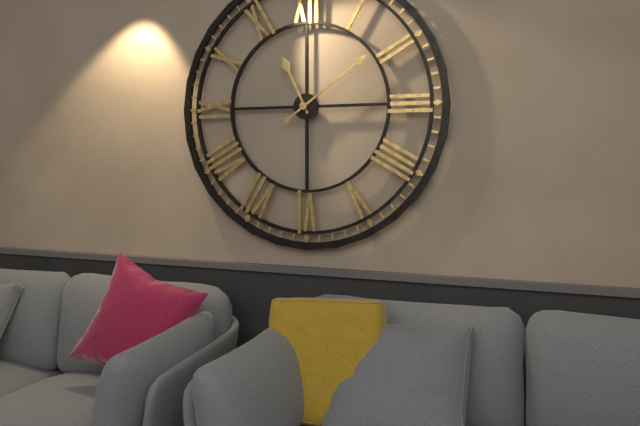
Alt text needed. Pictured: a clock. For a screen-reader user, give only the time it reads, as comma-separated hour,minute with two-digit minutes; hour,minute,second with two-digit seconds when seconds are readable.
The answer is 11,09
